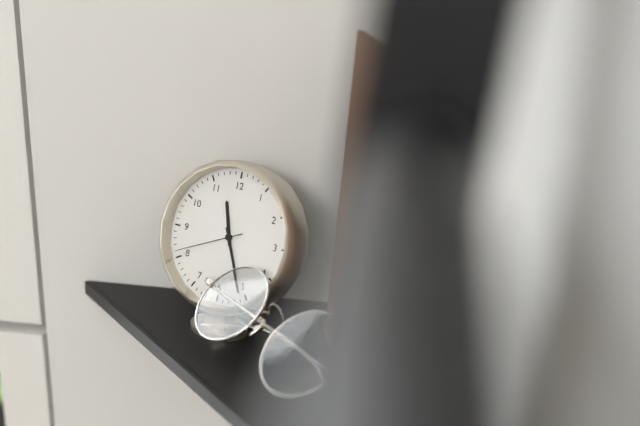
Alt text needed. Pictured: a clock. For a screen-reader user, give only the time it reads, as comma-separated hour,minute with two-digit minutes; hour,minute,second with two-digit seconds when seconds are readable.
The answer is 11,26,41
